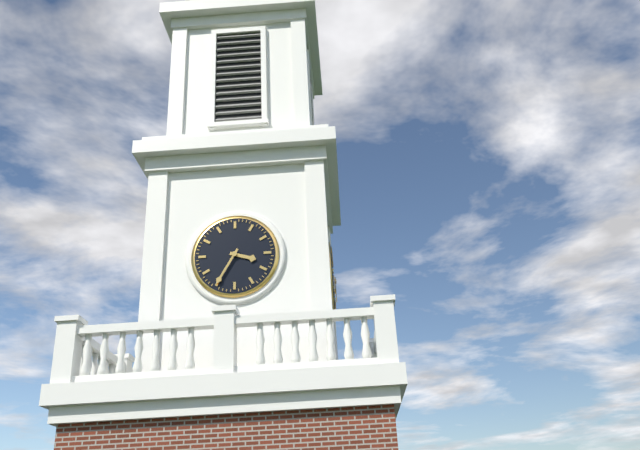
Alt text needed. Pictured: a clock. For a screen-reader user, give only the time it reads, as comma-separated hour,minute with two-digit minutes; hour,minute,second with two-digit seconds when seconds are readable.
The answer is 3,35
